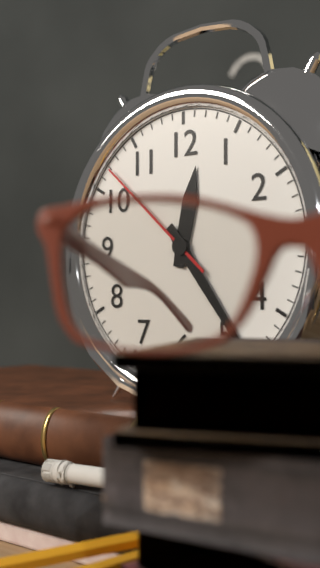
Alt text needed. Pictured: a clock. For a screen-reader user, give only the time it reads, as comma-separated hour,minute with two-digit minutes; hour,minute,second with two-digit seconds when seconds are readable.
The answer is 12,24,52
